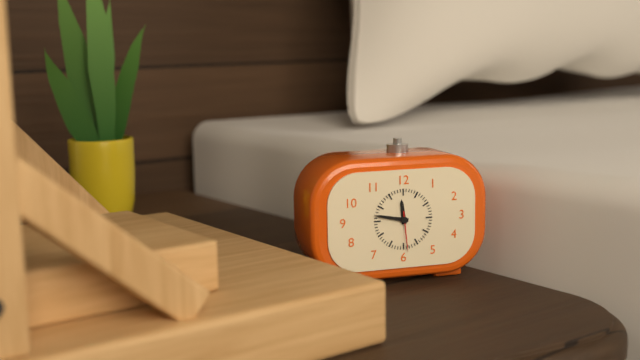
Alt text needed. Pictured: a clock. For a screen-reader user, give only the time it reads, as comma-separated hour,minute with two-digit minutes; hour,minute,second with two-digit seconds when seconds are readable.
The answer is 11,47
